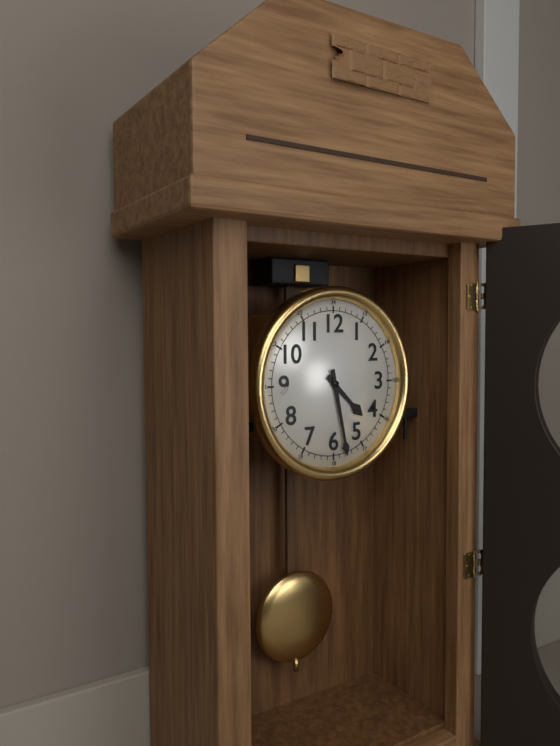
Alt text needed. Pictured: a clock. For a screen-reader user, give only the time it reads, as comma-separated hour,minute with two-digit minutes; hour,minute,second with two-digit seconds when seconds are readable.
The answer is 4,28
